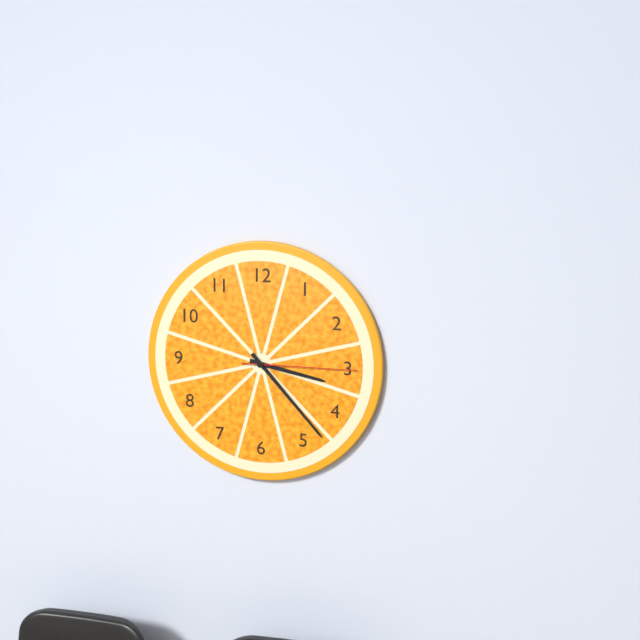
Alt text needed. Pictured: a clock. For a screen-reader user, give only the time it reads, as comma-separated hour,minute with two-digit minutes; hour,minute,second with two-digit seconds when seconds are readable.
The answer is 3,23,15
